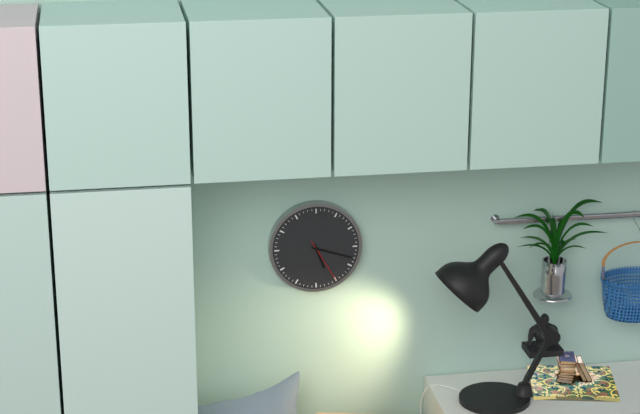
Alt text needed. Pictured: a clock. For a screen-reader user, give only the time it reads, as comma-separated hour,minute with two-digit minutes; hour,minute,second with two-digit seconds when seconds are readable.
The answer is 5,18
